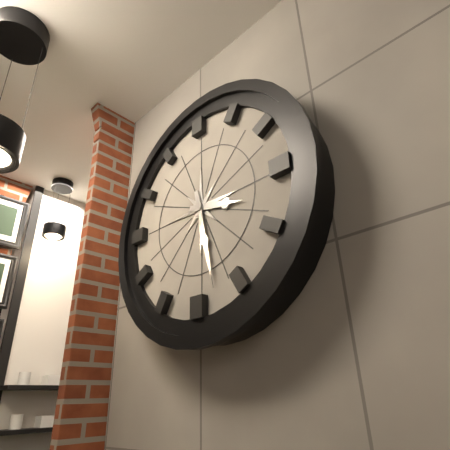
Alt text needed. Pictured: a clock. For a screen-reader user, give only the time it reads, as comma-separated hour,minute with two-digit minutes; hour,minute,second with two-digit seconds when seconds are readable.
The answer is 3,28
